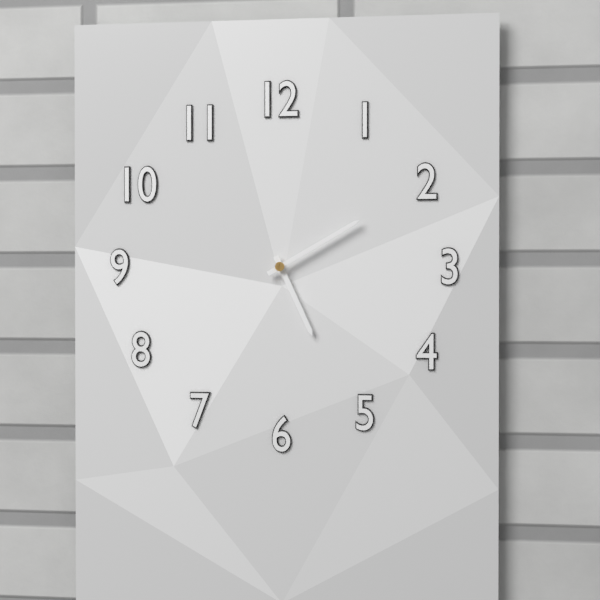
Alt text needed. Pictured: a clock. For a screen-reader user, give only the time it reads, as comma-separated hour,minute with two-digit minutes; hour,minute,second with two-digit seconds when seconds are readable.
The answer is 5,10
